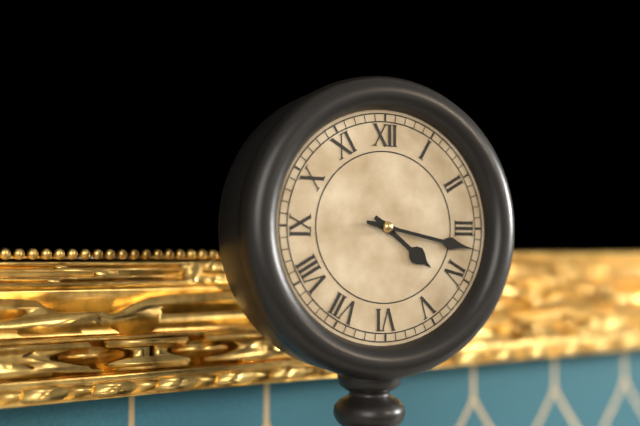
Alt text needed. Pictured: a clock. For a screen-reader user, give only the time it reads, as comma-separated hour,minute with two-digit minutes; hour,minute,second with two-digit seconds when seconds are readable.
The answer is 4,17
